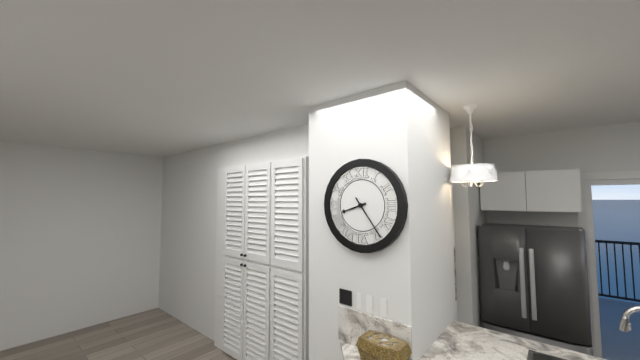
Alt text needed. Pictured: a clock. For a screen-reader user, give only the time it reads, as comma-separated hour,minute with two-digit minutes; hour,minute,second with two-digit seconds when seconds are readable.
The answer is 8,24
